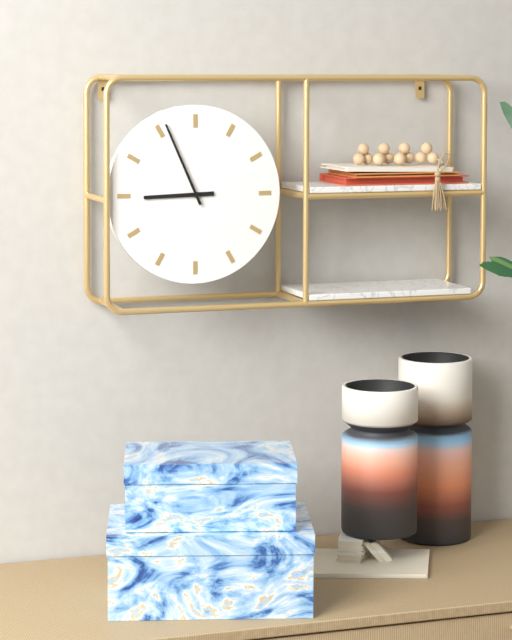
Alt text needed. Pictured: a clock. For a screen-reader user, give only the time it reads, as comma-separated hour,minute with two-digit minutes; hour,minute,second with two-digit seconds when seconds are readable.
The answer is 8,56
